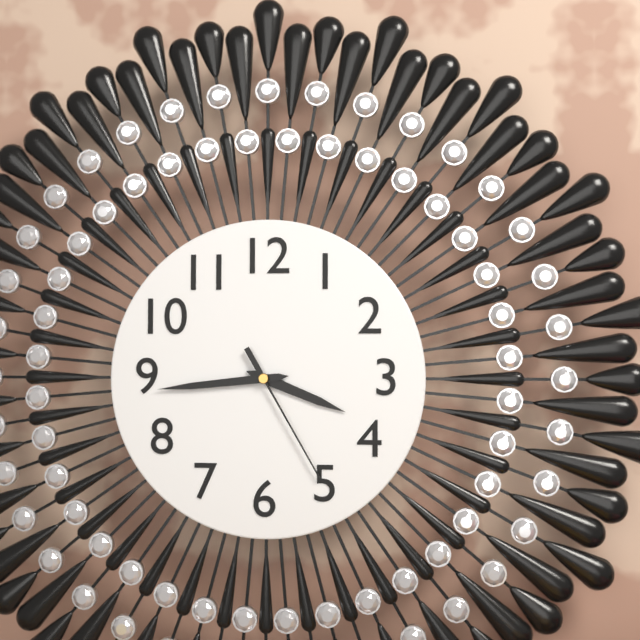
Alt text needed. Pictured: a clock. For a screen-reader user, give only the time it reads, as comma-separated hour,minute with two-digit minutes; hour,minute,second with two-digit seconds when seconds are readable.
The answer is 3,44,25
